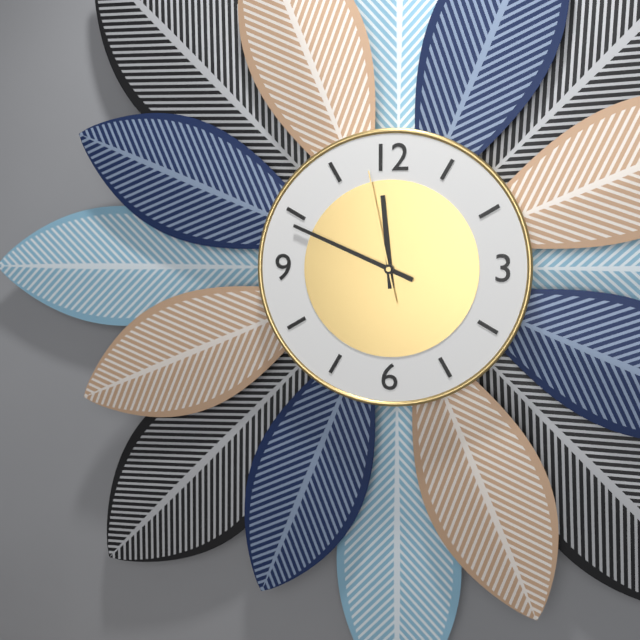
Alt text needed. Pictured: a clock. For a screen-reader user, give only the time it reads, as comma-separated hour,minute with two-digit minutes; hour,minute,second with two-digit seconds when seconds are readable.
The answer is 11,49,58
